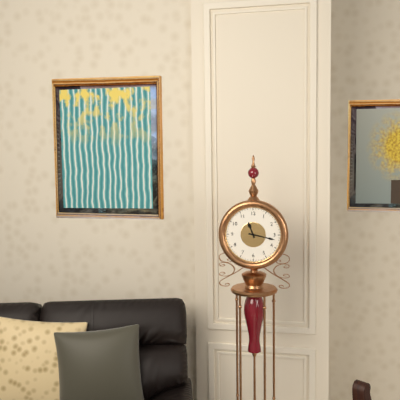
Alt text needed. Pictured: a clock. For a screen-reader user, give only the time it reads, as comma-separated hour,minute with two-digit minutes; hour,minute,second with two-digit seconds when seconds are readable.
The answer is 11,17
